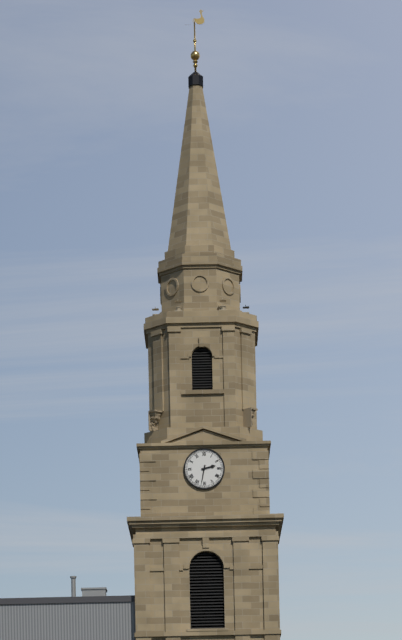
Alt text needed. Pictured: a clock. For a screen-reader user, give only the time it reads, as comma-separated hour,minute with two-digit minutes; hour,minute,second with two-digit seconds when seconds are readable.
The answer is 2,32
